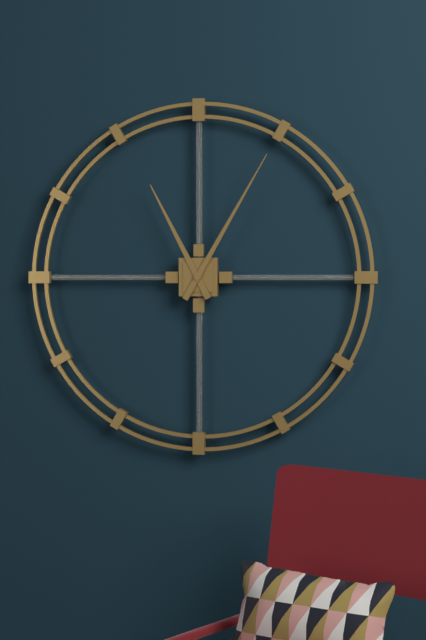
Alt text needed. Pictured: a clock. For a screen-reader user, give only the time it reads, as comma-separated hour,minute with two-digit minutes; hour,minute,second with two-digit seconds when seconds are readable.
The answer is 11,05
